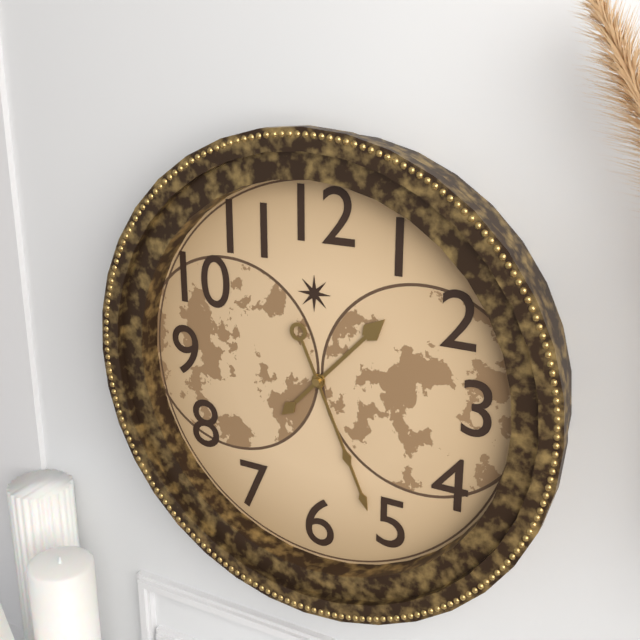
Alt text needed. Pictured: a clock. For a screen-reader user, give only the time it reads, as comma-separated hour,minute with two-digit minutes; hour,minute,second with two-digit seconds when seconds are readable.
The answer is 1,26
